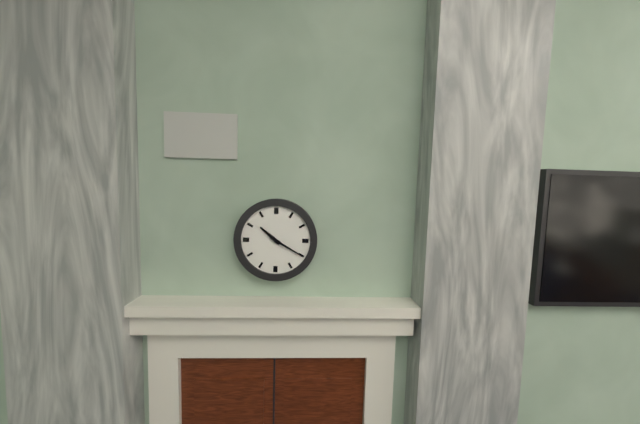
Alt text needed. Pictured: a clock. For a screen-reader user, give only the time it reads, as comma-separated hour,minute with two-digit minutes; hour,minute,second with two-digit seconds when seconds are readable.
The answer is 10,20
